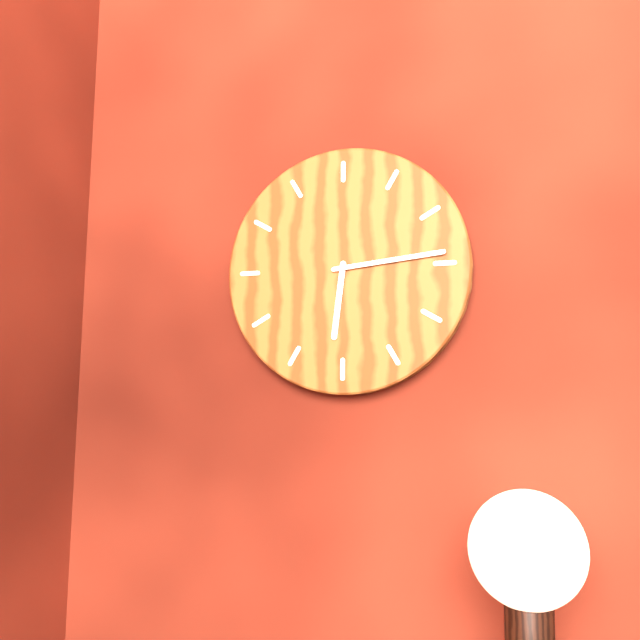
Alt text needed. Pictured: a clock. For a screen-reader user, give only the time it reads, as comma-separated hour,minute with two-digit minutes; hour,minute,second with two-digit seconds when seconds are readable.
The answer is 6,14
